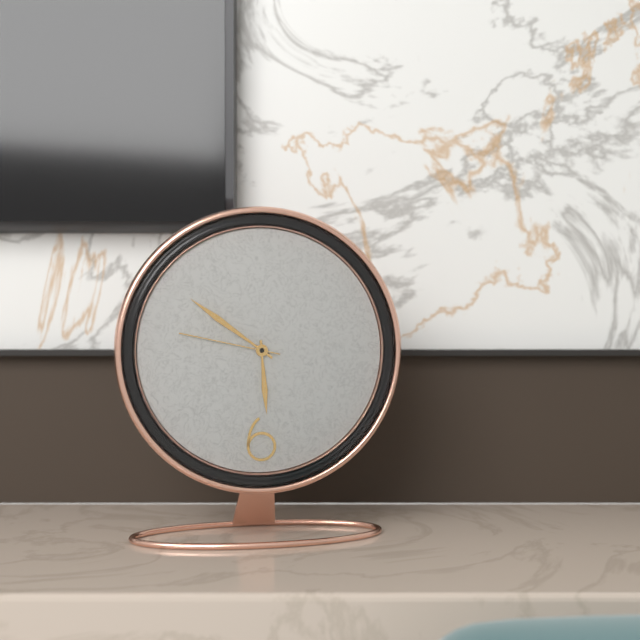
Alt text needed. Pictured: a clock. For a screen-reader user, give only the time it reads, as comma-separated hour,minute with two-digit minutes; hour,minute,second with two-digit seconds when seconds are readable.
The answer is 5,51,47
